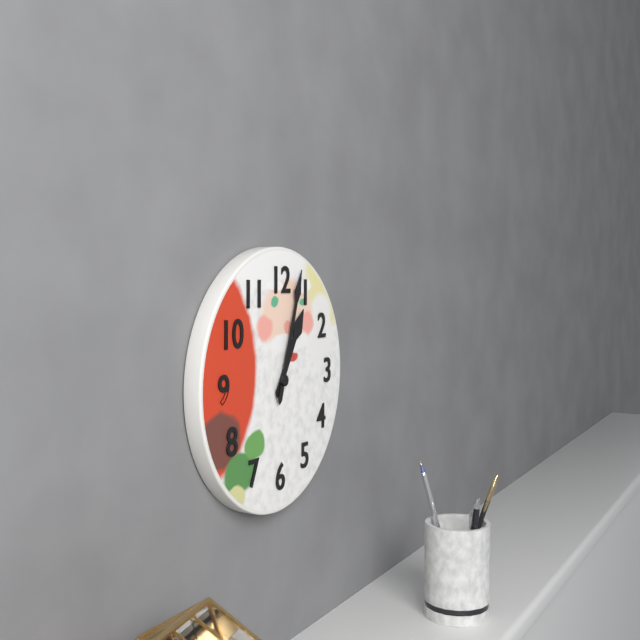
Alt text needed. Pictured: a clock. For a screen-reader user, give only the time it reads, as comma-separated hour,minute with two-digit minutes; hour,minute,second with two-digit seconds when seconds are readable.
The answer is 1,03
